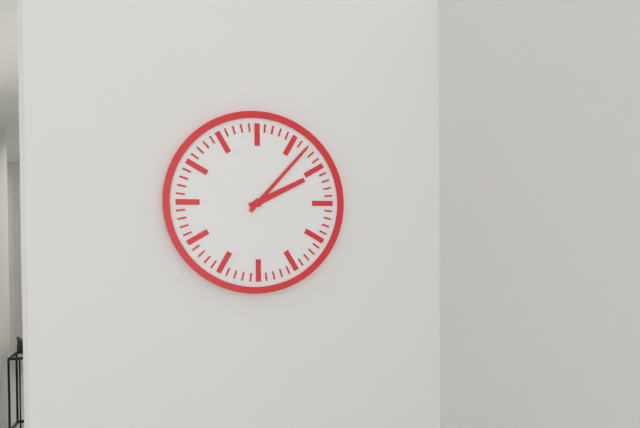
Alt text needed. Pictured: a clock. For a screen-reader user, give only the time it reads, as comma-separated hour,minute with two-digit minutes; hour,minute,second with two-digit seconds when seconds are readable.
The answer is 2,07
